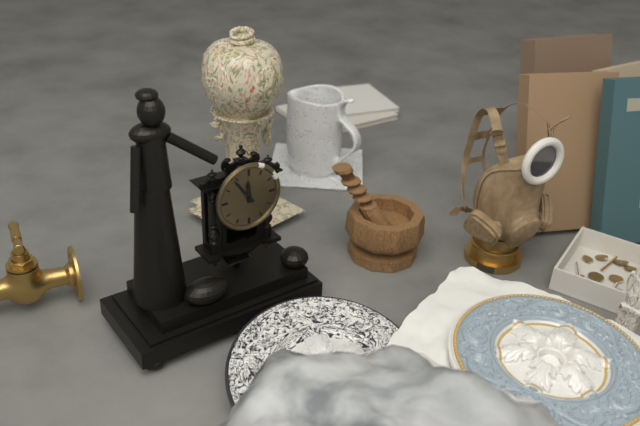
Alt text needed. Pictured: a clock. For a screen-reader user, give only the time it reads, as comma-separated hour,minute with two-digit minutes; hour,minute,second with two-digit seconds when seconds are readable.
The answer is 11,54
